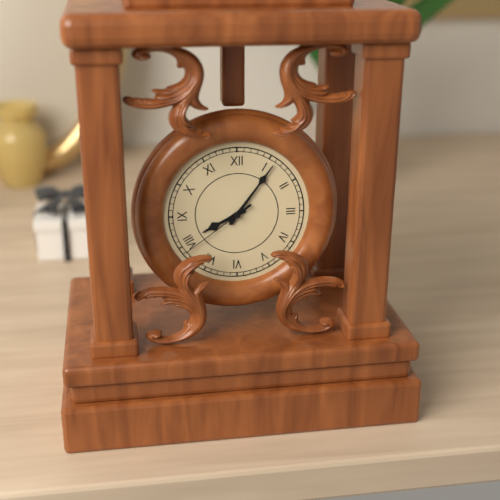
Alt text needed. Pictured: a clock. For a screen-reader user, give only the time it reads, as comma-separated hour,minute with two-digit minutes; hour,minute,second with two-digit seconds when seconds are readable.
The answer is 8,06,39
